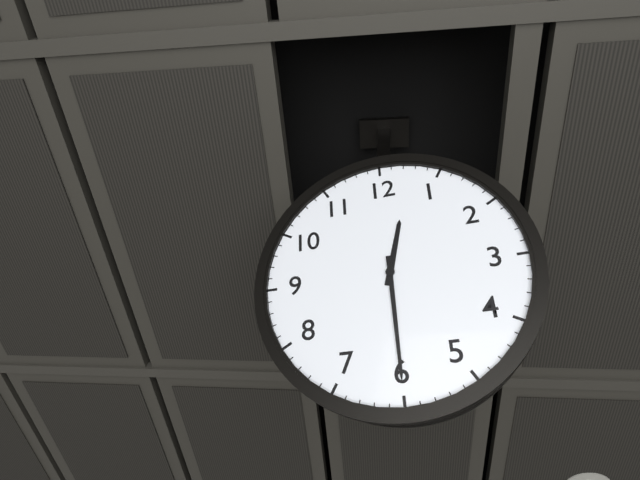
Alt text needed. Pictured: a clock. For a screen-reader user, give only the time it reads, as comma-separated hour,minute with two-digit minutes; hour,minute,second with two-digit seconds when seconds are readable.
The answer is 12,30
